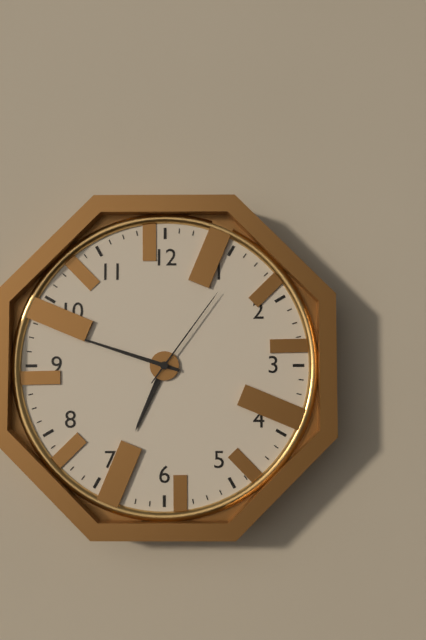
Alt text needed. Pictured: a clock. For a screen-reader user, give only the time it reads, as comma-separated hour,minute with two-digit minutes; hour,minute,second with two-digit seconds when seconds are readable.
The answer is 6,48,06
